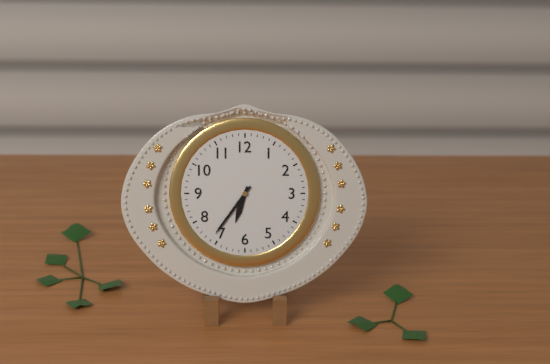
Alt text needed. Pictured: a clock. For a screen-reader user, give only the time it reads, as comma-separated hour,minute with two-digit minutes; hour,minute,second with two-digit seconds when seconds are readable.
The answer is 6,36
